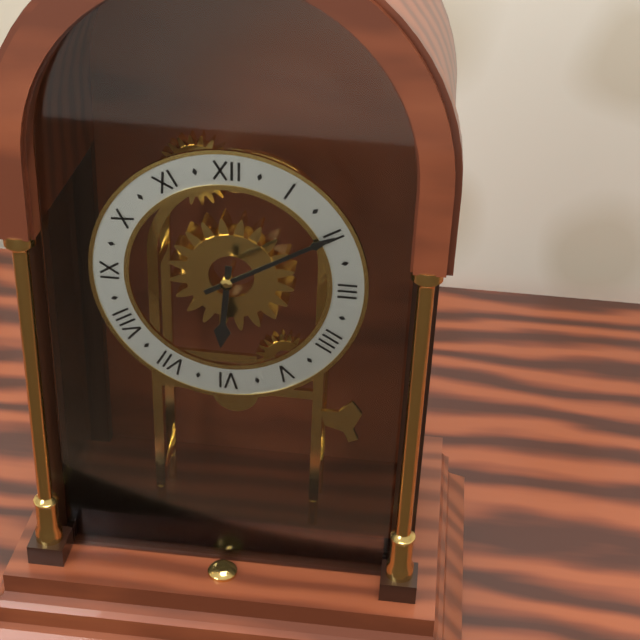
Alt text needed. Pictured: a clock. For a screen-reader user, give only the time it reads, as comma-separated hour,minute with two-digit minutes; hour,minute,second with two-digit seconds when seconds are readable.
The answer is 6,10
